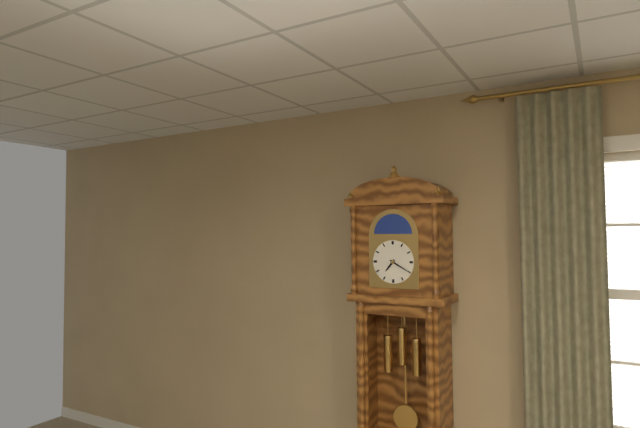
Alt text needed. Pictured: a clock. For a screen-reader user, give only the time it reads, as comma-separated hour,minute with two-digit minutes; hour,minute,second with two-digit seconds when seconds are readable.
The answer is 7,20
